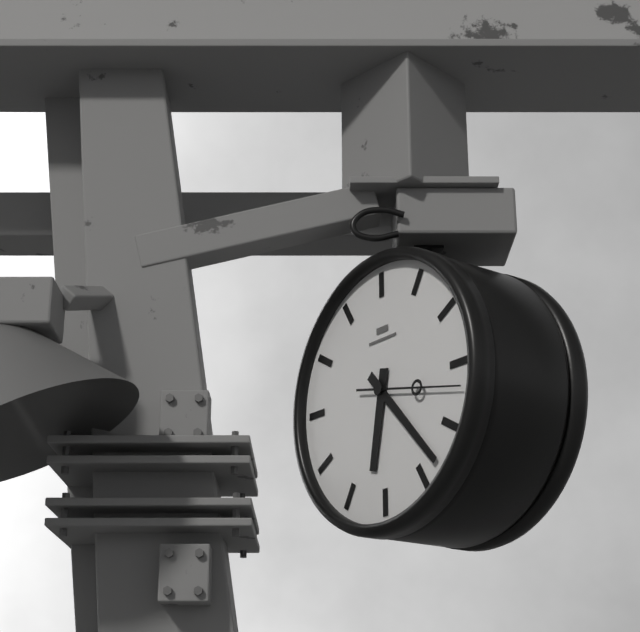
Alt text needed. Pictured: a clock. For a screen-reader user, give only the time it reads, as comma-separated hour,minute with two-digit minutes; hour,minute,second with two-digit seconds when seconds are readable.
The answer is 6,23,17
